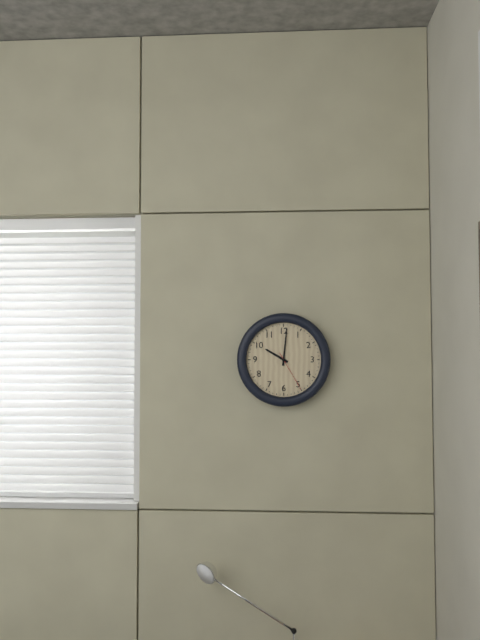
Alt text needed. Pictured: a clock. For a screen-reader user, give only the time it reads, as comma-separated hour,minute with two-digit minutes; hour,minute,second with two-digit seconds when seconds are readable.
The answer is 10,01
